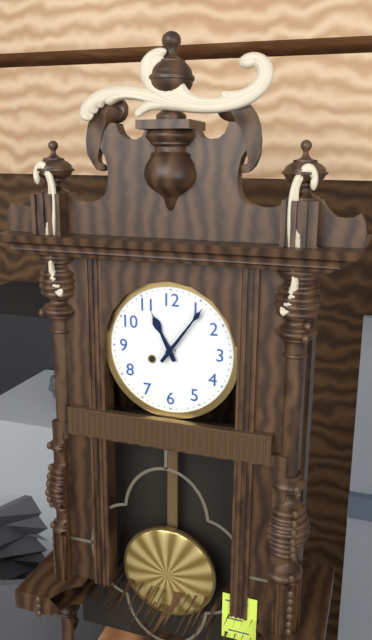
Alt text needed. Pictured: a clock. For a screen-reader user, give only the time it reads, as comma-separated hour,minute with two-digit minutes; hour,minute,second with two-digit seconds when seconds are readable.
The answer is 11,06
